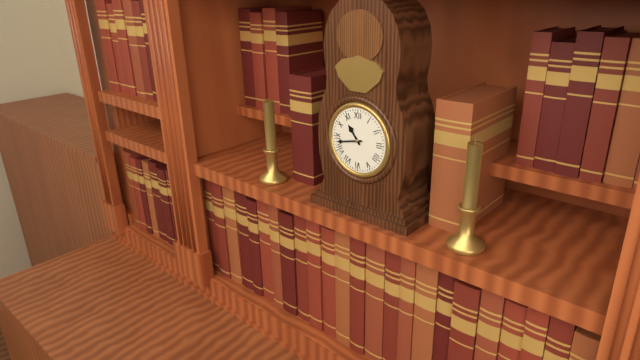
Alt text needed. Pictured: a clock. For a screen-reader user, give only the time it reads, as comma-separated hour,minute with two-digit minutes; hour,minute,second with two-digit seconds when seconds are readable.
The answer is 10,43
